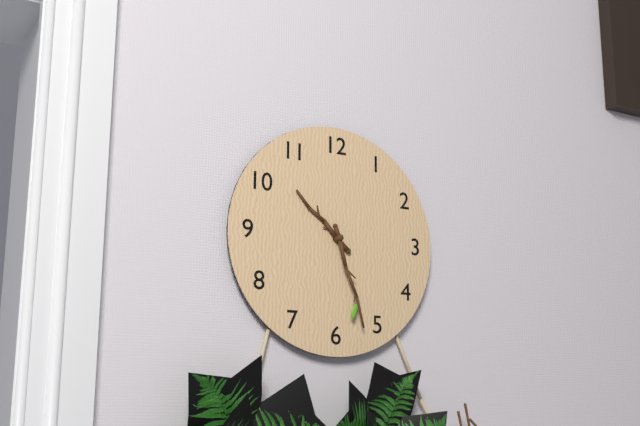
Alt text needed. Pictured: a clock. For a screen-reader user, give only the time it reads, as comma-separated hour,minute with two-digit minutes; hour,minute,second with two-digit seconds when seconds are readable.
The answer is 10,27
